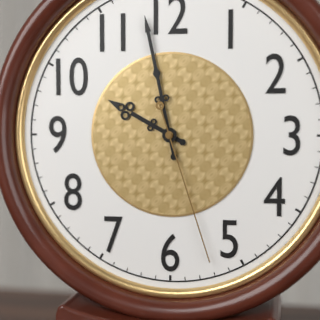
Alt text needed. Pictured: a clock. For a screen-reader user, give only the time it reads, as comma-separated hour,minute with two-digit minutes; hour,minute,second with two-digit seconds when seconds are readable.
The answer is 9,58,27
